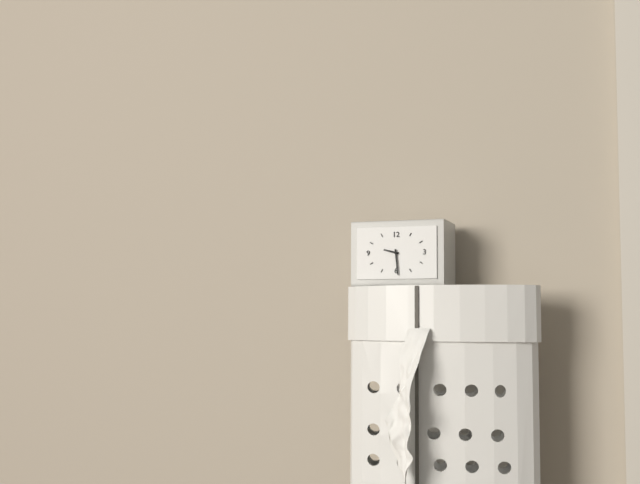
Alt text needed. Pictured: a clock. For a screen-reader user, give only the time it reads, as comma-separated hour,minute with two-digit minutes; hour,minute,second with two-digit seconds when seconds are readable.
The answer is 9,29
